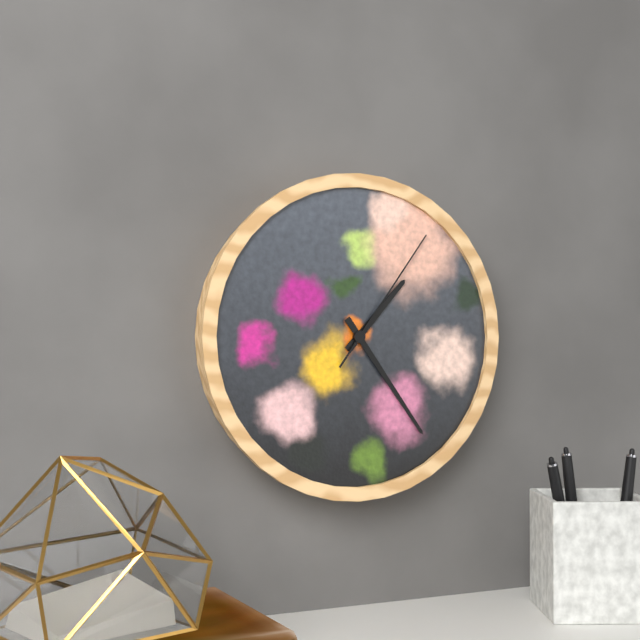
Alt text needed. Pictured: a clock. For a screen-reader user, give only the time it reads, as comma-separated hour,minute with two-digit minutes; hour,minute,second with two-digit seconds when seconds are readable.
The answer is 1,24,06
